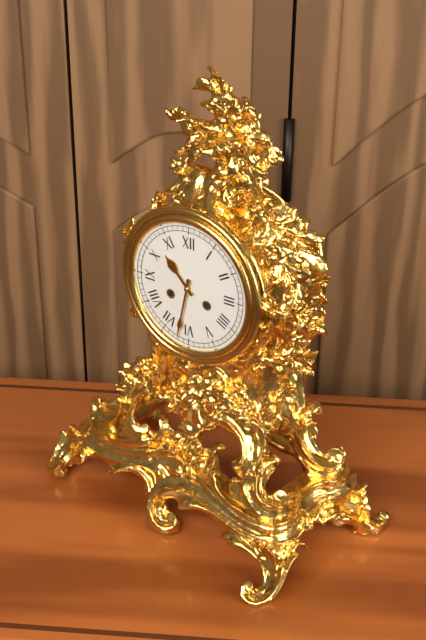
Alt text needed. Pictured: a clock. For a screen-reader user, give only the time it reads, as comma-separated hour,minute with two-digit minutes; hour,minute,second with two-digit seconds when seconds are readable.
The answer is 10,32
